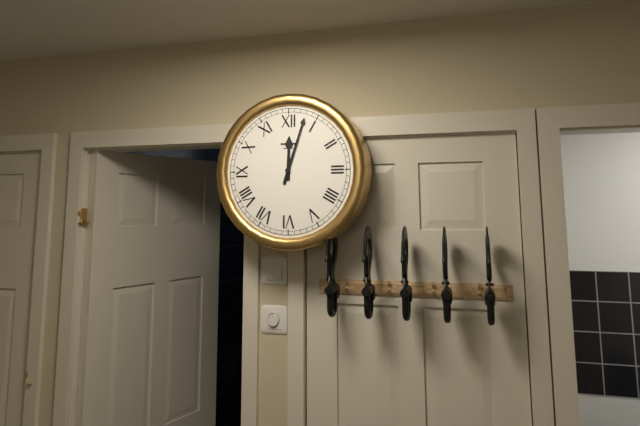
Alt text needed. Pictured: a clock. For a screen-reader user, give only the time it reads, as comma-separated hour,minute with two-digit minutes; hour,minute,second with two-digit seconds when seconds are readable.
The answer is 12,03
